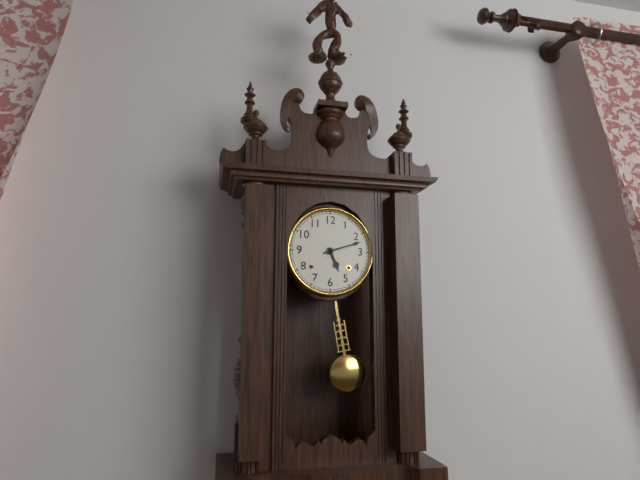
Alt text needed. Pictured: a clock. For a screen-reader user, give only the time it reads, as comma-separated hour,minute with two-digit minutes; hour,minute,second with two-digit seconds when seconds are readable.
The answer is 5,12
